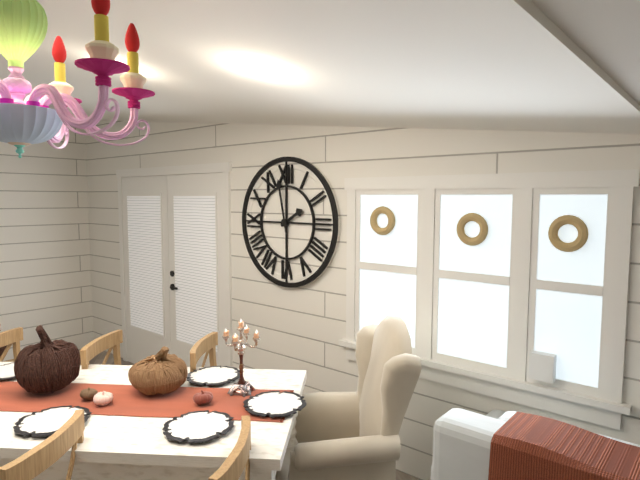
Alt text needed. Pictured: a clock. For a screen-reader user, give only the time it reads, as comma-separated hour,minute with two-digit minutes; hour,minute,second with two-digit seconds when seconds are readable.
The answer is 1,58
